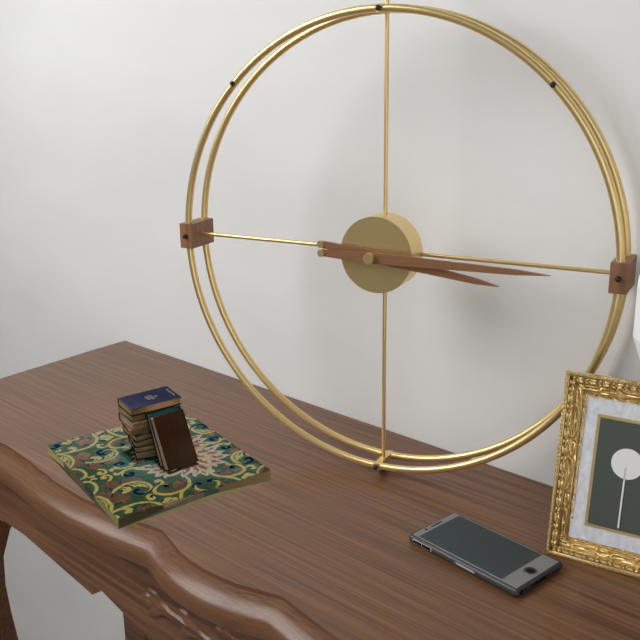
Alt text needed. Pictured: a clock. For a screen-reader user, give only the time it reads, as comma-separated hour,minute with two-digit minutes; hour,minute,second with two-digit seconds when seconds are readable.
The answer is 3,15
